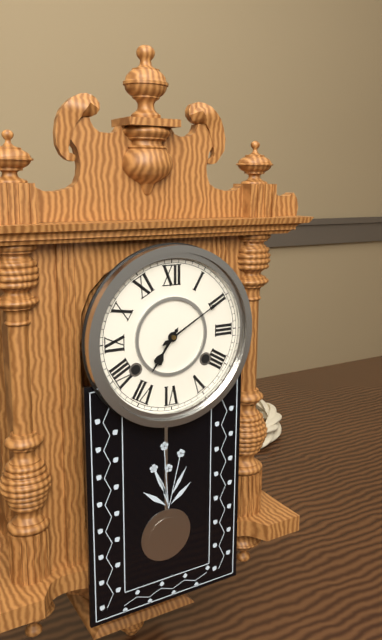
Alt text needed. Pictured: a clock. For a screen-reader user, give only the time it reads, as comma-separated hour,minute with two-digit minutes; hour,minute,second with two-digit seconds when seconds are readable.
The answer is 7,10
